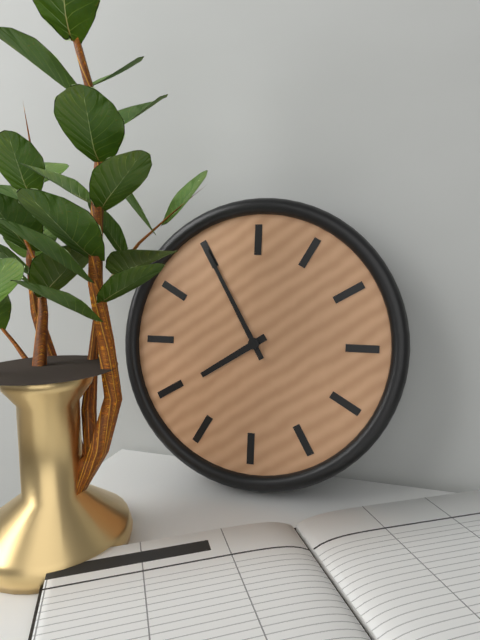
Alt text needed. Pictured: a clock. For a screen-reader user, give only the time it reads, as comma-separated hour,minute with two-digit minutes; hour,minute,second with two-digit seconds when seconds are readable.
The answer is 7,55
